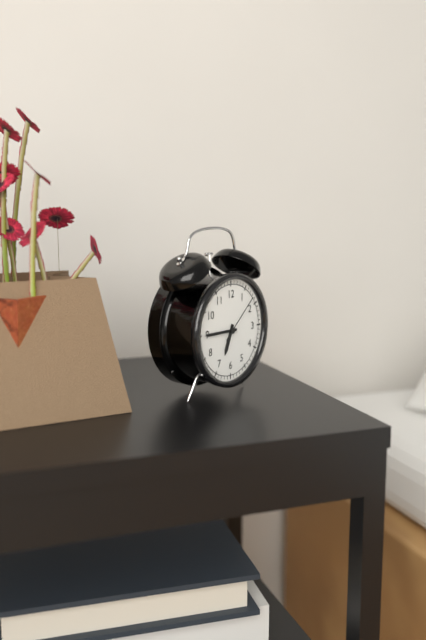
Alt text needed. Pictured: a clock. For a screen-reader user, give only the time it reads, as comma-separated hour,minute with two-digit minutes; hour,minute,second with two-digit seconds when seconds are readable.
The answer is 6,45
